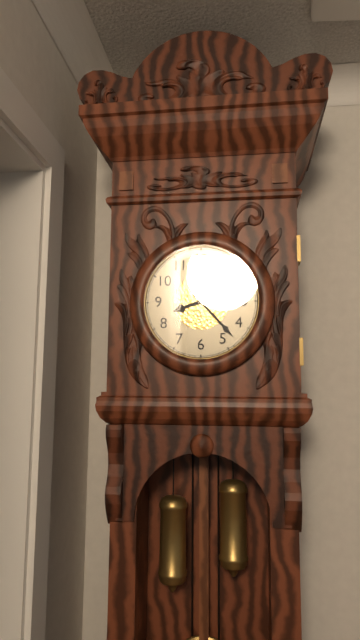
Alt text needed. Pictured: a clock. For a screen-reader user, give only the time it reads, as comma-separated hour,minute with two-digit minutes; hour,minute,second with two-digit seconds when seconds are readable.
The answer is 8,23
